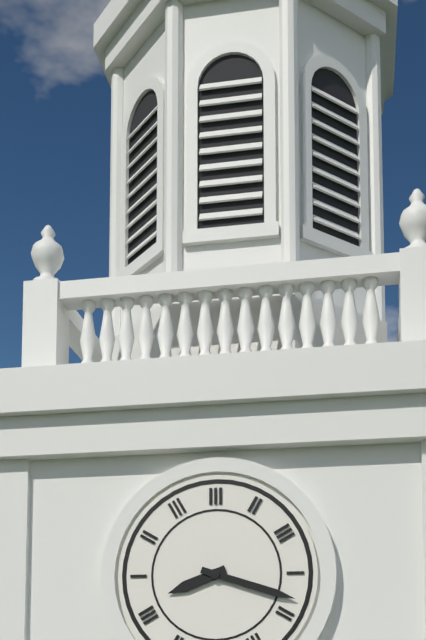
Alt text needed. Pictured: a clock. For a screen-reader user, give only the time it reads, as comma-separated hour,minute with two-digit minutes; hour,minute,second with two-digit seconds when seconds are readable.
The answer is 8,18
